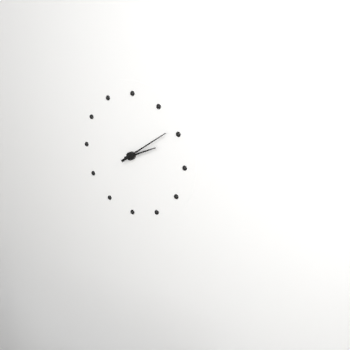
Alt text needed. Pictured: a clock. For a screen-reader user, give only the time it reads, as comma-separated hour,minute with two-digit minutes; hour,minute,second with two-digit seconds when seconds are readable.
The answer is 2,09
